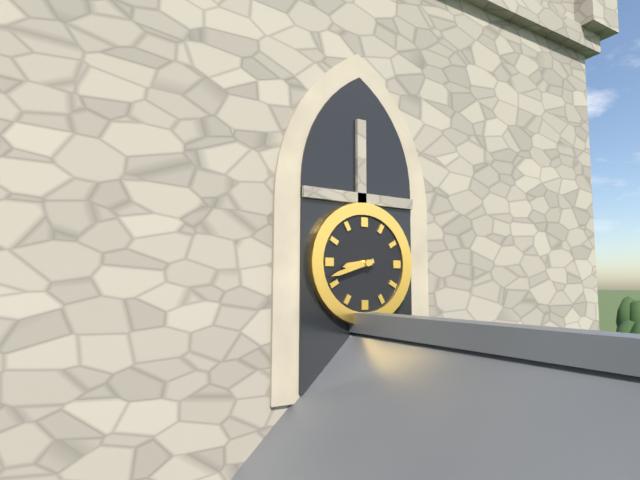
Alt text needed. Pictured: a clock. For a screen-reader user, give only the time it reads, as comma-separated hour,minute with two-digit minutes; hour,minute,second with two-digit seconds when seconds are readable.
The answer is 8,42
